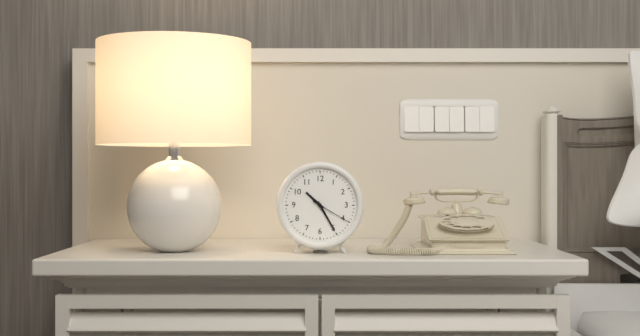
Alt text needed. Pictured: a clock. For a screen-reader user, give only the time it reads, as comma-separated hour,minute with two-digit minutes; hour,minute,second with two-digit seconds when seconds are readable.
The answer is 10,25
